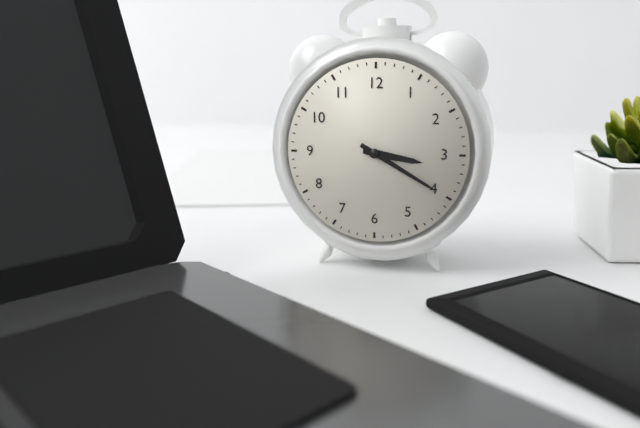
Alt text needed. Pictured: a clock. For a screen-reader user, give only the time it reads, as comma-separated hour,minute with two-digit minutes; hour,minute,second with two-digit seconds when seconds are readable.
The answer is 3,20
